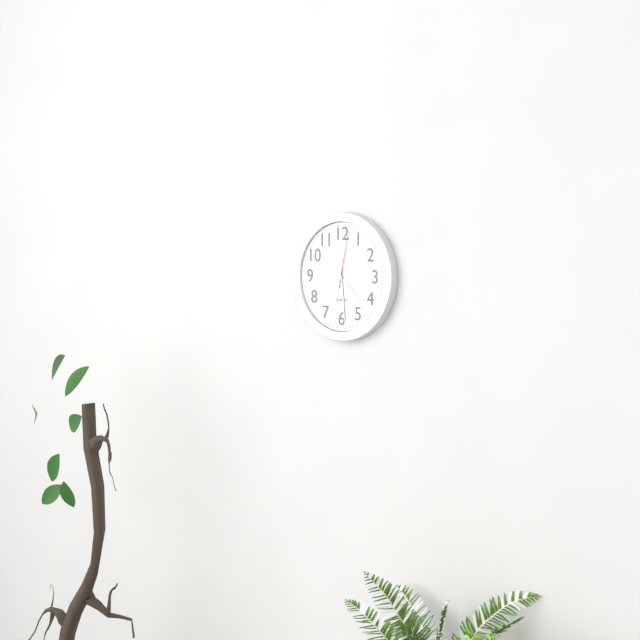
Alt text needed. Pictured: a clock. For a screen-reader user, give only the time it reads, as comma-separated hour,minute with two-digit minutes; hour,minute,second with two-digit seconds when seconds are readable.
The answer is 4,29,02
